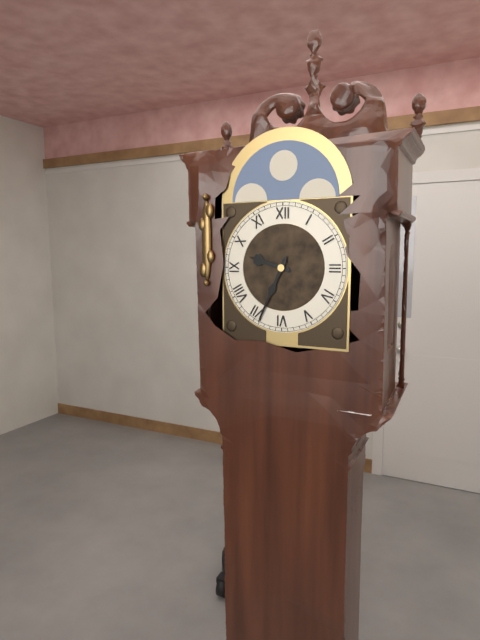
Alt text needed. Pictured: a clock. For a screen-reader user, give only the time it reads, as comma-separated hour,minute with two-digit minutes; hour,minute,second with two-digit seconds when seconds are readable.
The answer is 9,34
